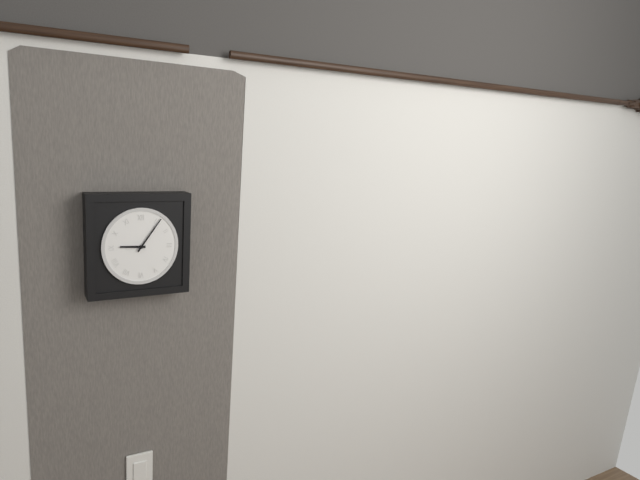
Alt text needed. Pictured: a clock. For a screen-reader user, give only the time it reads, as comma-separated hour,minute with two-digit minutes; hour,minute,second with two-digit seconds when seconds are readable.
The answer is 9,06
